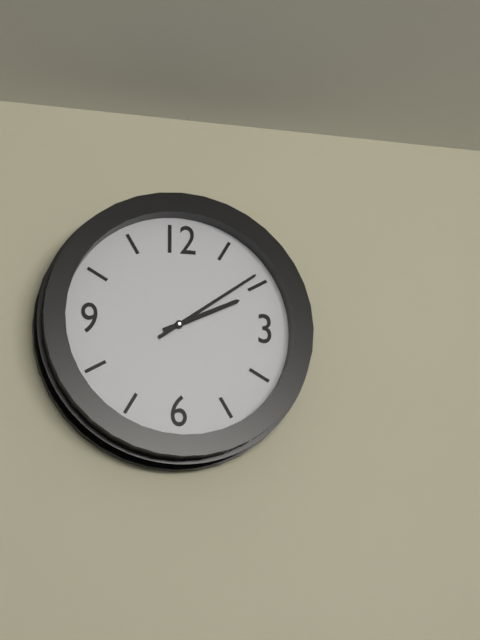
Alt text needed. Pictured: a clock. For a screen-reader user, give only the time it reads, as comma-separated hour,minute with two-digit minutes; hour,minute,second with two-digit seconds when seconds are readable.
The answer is 2,09
